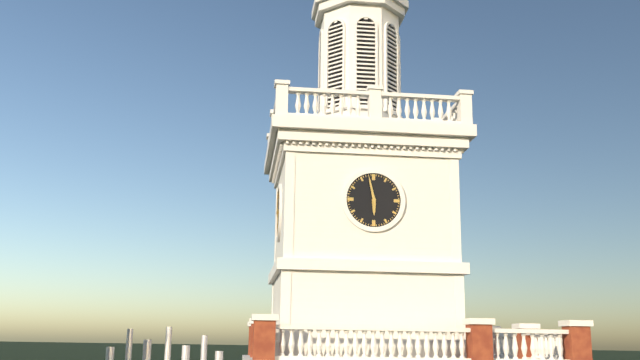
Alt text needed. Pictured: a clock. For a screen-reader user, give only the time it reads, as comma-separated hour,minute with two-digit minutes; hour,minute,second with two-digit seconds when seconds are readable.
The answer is 5,58
